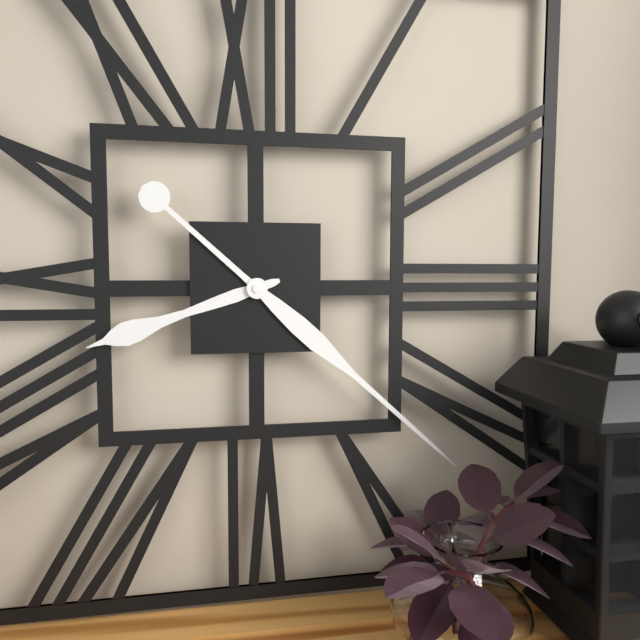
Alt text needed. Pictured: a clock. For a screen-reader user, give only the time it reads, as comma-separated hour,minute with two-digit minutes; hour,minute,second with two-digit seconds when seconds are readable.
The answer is 8,22
